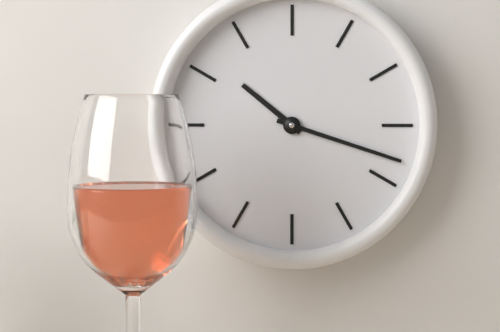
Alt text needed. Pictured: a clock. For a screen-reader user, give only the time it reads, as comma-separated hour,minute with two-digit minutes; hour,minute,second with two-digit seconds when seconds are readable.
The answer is 10,18
